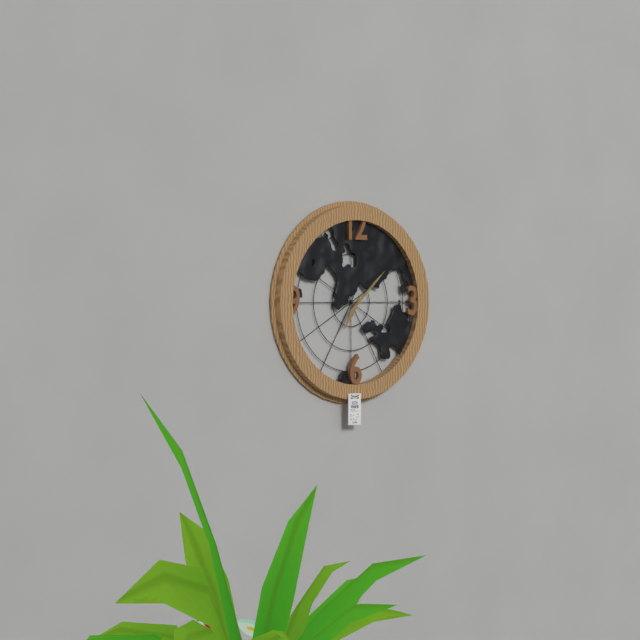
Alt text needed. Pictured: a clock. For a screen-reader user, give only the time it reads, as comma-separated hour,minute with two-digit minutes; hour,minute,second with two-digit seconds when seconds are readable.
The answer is 7,08
